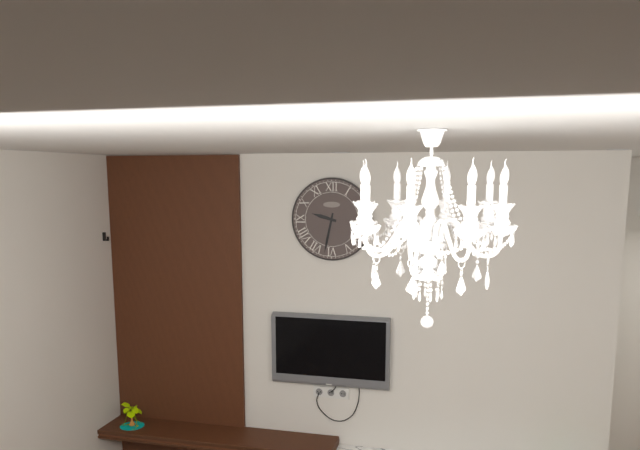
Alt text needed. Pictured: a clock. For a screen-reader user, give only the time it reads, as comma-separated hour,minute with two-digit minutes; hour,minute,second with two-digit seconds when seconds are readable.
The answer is 9,32
